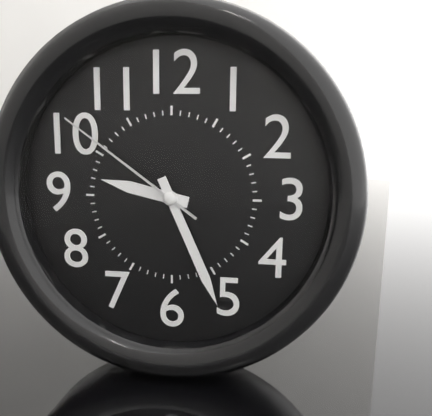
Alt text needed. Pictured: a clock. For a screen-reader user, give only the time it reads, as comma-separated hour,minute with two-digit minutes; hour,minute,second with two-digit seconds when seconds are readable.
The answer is 9,26,51
